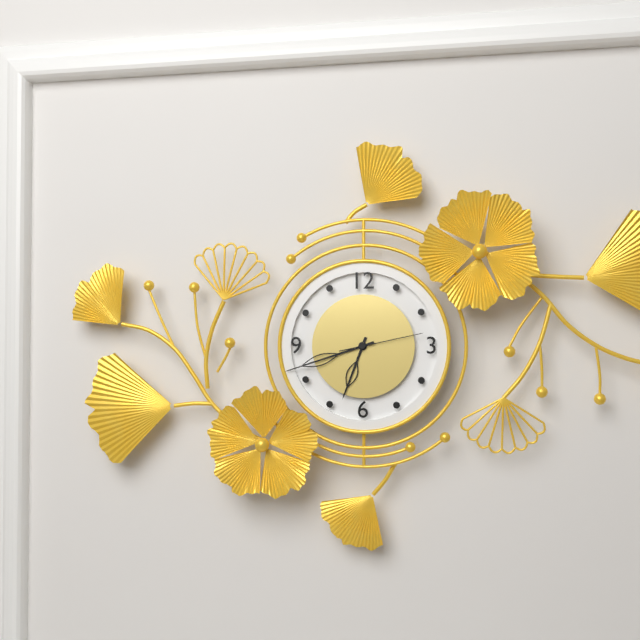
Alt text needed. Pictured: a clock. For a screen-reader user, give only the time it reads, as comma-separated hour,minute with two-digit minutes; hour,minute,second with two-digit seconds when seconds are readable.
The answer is 6,42,13
